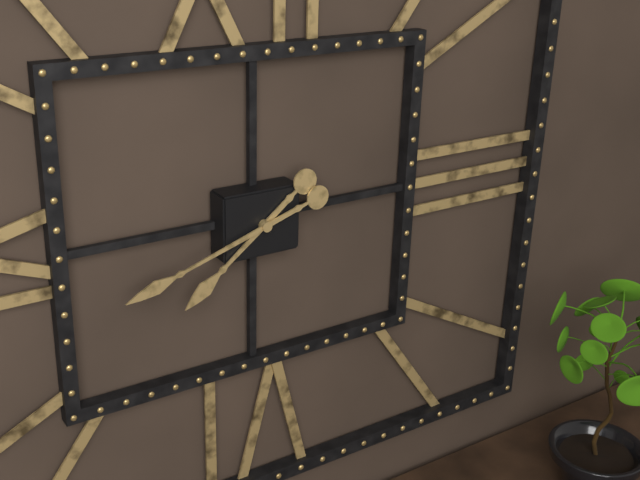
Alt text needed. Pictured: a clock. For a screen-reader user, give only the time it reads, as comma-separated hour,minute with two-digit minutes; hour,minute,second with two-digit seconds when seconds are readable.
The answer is 7,42
